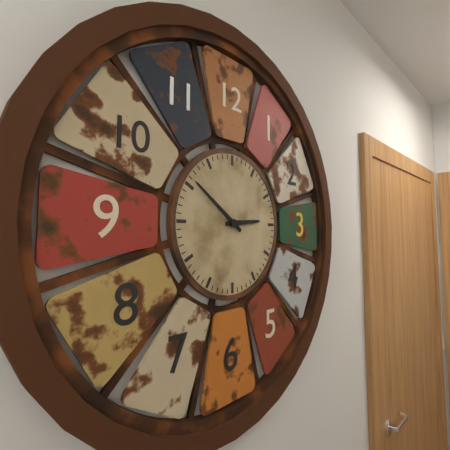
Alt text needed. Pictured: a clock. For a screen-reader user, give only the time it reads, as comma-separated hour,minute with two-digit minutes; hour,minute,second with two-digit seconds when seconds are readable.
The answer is 2,51
